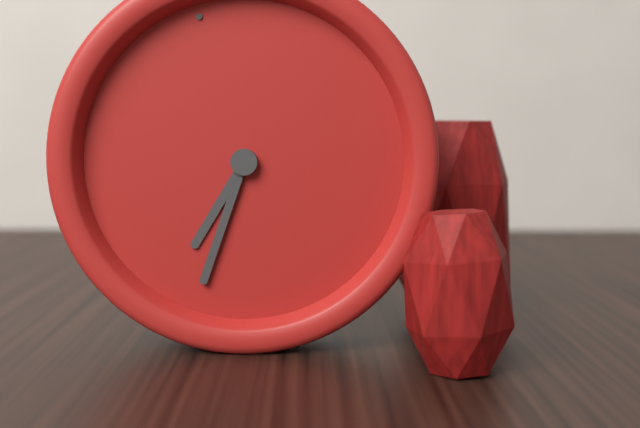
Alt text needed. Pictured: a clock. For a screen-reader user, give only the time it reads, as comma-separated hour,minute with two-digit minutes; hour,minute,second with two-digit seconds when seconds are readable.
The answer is 7,36
